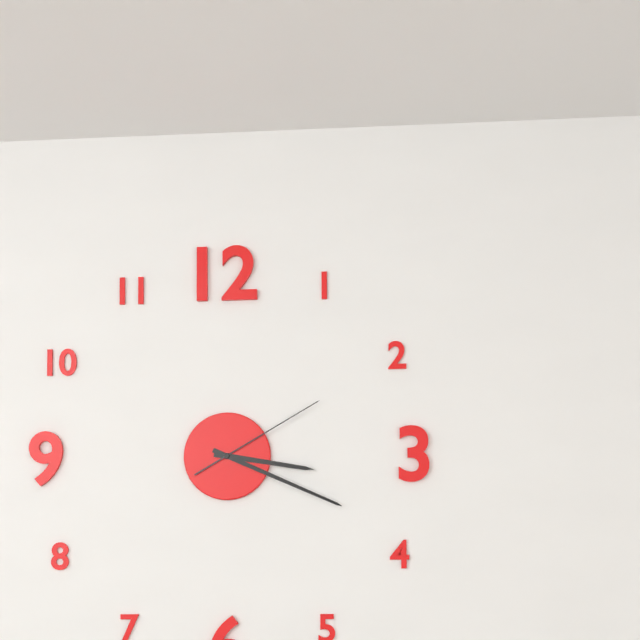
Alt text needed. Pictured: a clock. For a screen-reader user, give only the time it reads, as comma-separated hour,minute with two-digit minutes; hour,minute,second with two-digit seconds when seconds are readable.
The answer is 3,19,10
